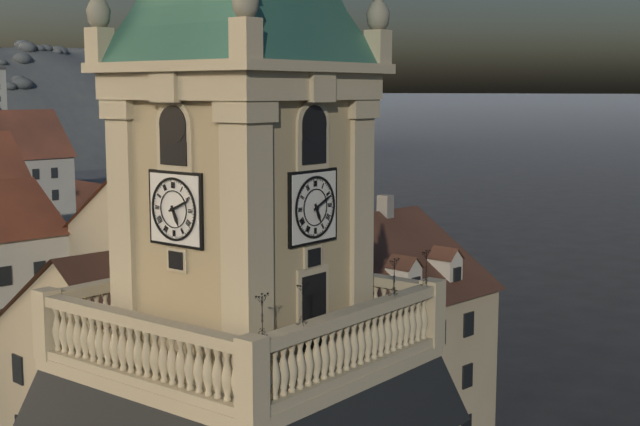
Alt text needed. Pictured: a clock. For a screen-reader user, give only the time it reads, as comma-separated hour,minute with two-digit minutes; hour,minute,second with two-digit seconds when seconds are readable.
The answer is 5,11
